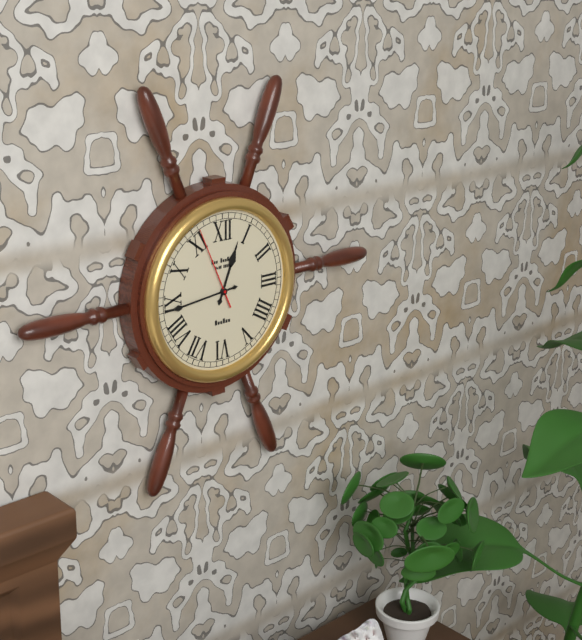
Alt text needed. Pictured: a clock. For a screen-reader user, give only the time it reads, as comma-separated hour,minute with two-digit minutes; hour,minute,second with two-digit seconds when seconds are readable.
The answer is 12,44,56
